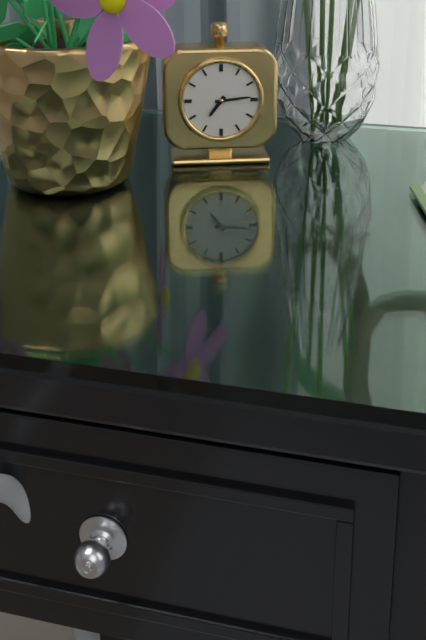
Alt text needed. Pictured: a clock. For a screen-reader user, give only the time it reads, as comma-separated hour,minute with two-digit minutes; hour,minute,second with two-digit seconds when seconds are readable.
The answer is 7,14
